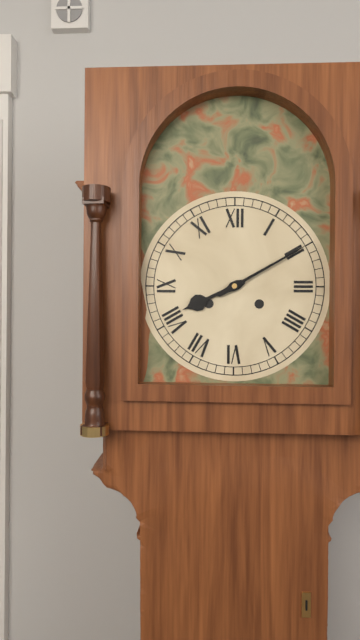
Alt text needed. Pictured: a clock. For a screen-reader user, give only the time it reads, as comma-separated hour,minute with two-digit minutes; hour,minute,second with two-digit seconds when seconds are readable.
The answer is 8,10
